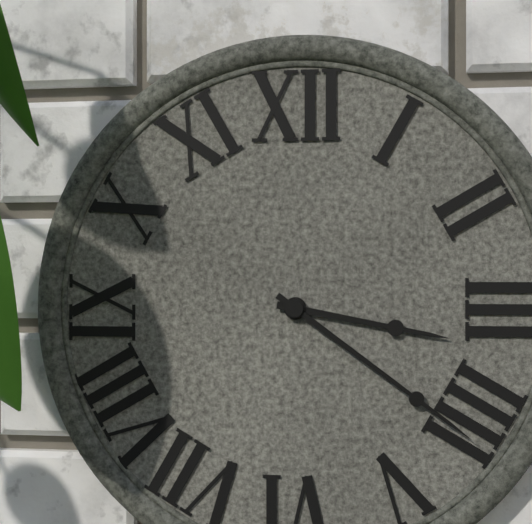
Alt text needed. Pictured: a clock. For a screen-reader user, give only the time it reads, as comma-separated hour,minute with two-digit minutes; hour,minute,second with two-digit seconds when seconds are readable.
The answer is 3,21
